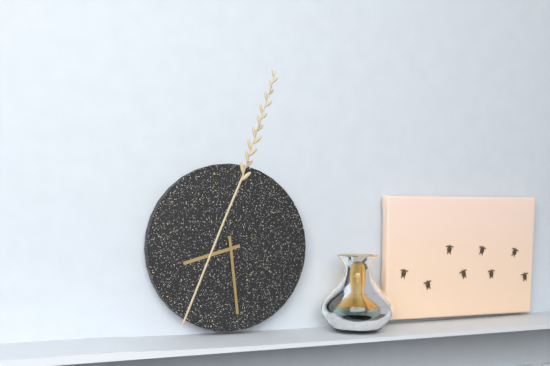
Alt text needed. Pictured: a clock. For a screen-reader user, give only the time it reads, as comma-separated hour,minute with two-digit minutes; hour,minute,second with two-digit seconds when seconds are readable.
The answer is 8,29
